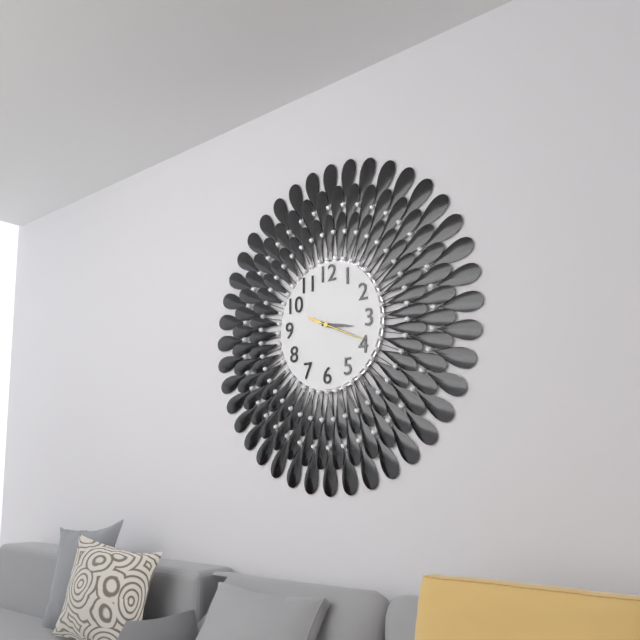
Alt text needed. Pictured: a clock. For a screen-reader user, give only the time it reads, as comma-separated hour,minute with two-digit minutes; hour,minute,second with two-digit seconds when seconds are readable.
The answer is 3,19,19
